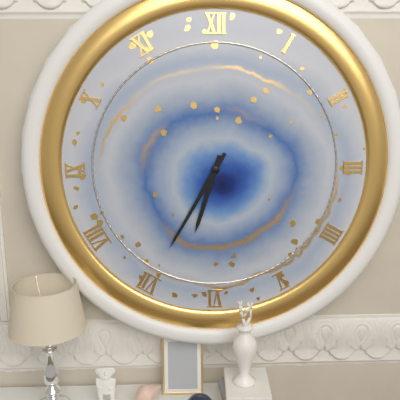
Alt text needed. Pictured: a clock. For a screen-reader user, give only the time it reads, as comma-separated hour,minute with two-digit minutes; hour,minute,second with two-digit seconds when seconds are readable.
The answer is 6,35
